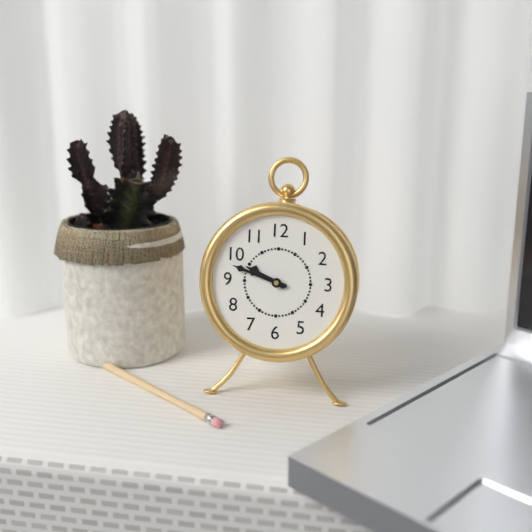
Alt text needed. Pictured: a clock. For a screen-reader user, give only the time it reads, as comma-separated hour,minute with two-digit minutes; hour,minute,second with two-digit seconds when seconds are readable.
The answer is 9,48
